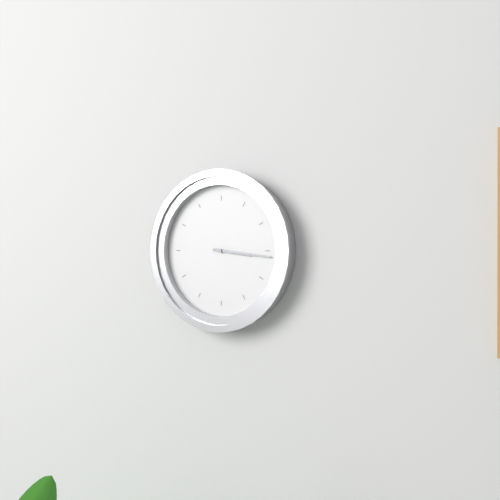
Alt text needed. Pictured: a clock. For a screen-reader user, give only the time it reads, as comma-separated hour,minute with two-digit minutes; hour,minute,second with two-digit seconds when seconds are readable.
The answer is 3,16
